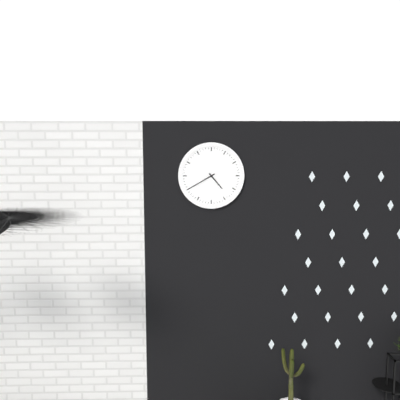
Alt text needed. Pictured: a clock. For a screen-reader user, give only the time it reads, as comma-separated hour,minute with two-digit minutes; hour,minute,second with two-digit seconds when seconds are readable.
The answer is 4,40
